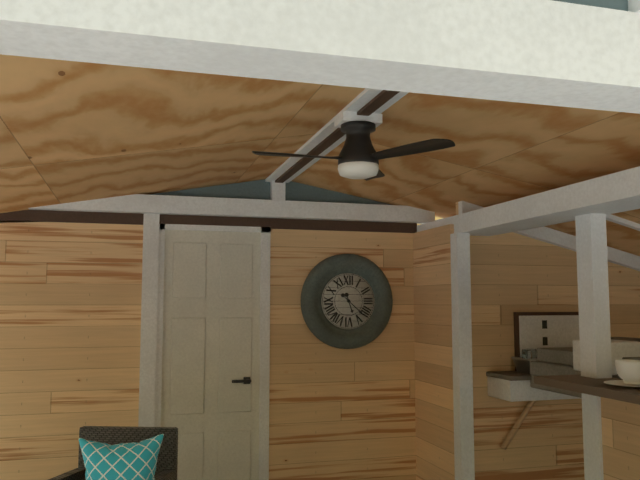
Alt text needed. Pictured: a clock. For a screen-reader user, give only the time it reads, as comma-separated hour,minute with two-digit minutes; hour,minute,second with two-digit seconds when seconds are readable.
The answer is 5,22
